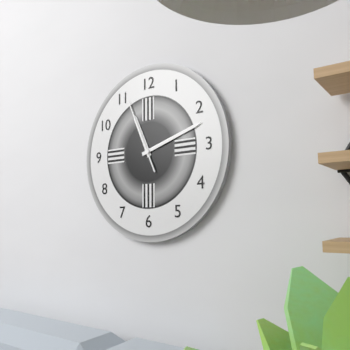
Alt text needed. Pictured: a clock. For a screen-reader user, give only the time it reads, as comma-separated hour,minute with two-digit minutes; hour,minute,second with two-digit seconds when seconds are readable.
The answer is 11,12,56
